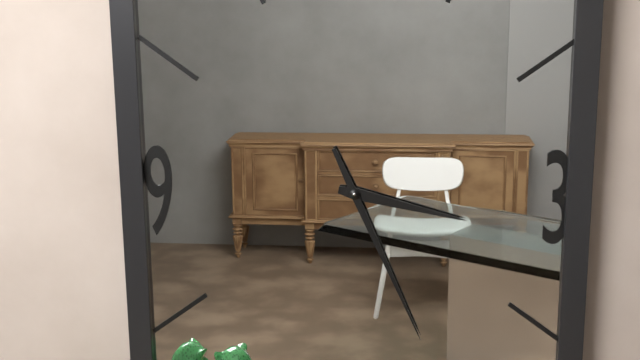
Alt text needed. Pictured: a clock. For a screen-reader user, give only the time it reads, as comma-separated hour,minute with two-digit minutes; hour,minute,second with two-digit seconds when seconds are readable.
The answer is 3,26
